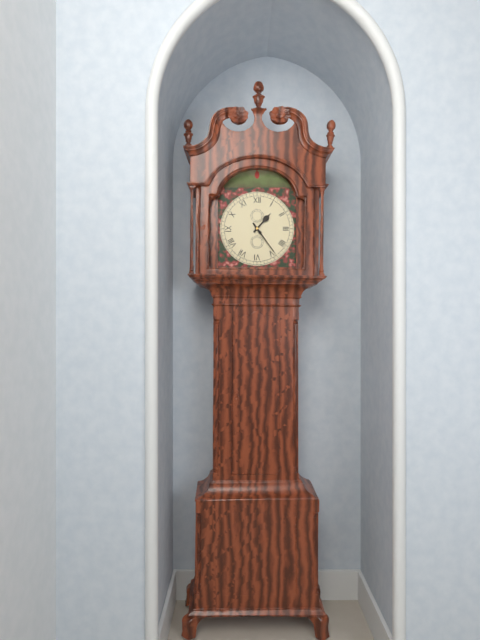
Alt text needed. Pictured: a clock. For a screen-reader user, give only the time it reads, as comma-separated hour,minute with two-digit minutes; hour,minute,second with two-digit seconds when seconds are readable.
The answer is 1,24
